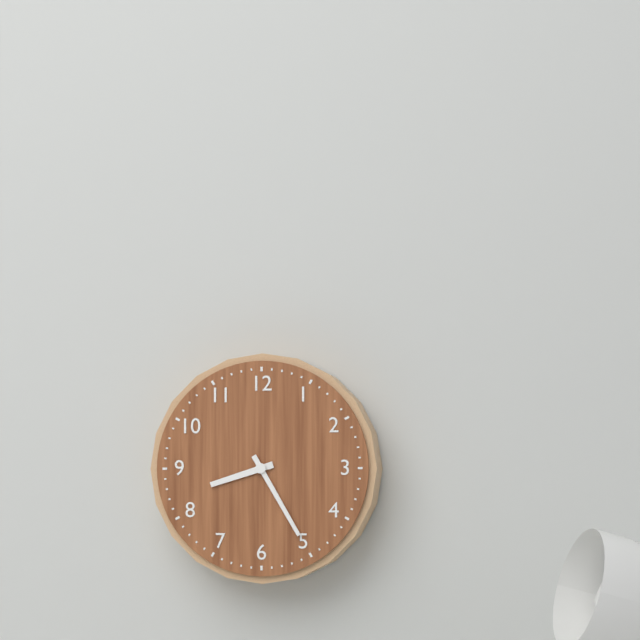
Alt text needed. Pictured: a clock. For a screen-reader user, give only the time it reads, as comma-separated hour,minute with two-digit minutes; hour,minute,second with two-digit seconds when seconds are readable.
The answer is 8,25
